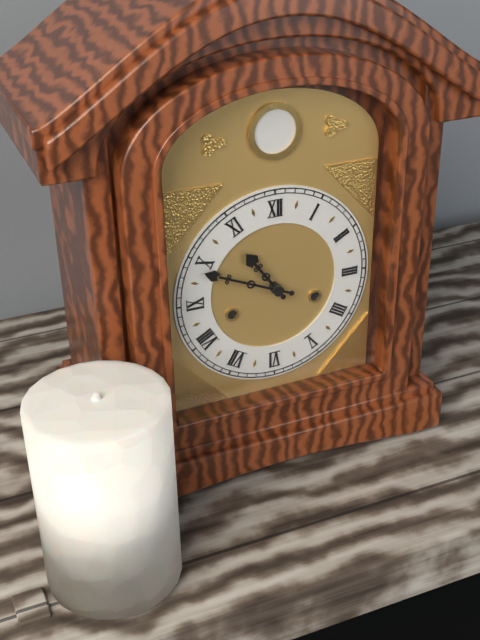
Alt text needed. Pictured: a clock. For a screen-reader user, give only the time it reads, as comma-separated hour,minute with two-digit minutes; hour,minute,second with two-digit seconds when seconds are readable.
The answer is 10,49
